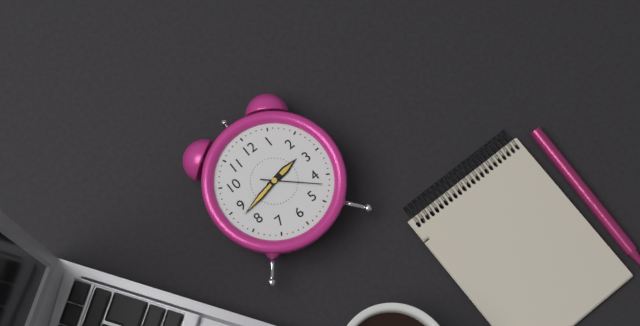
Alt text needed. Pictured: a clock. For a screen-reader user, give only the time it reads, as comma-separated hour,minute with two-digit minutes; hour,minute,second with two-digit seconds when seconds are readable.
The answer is 2,43,22
